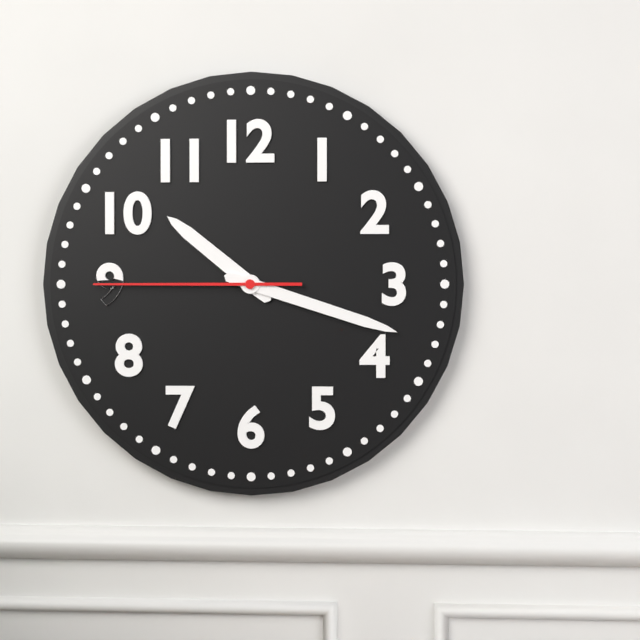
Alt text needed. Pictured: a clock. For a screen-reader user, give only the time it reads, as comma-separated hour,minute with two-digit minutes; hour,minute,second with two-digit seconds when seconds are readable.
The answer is 10,18,45
